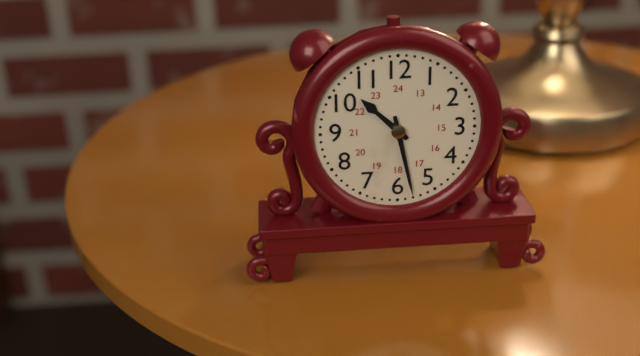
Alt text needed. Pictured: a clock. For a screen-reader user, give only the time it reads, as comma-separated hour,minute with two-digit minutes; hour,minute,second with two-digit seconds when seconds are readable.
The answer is 10,28
